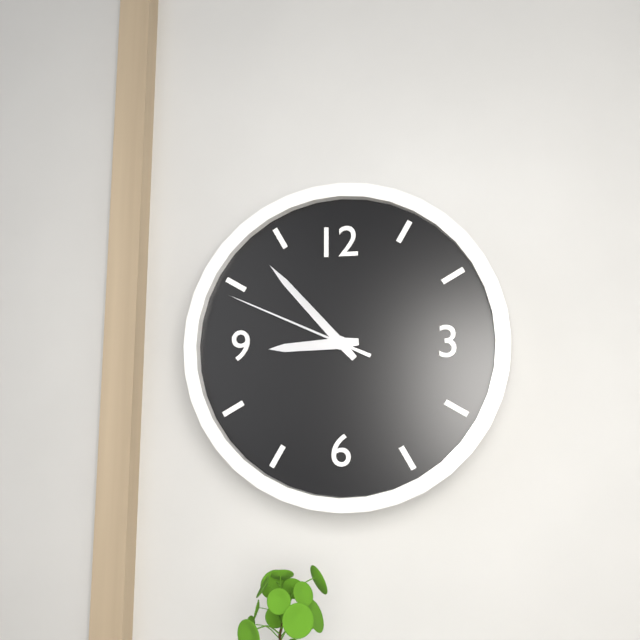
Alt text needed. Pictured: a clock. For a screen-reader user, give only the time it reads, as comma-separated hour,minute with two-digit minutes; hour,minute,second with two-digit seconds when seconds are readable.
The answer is 8,53,49
